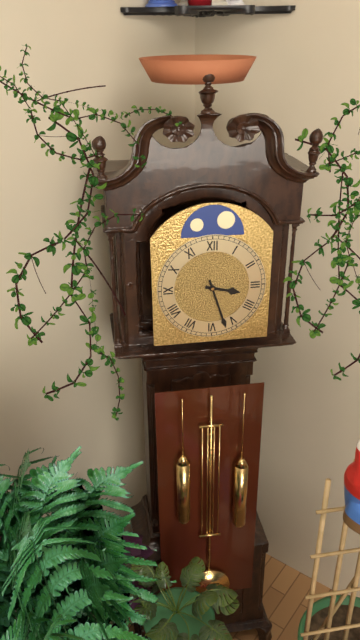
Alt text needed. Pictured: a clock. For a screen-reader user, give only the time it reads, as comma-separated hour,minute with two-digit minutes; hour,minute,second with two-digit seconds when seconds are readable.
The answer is 3,27
